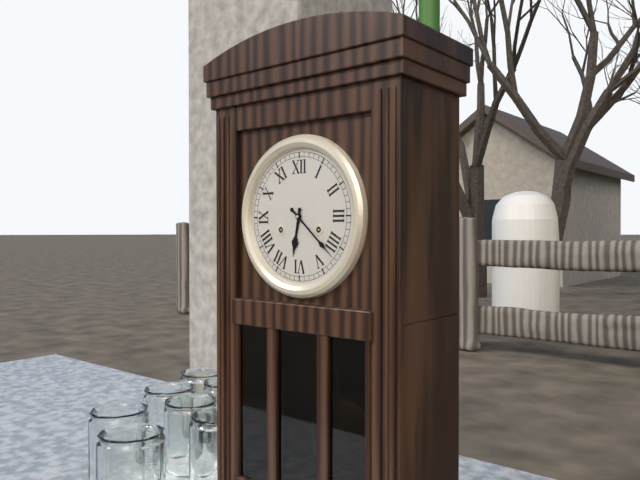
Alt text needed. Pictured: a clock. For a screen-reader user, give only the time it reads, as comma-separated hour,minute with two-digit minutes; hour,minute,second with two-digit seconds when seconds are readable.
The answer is 6,22
